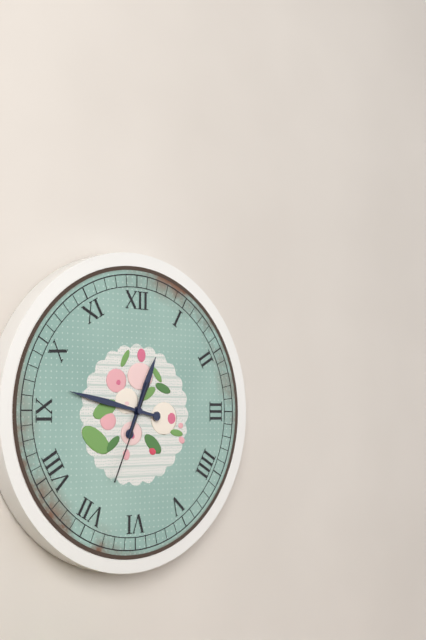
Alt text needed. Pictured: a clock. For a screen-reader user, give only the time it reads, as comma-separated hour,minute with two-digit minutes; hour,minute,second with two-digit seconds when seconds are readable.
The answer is 12,47,34
